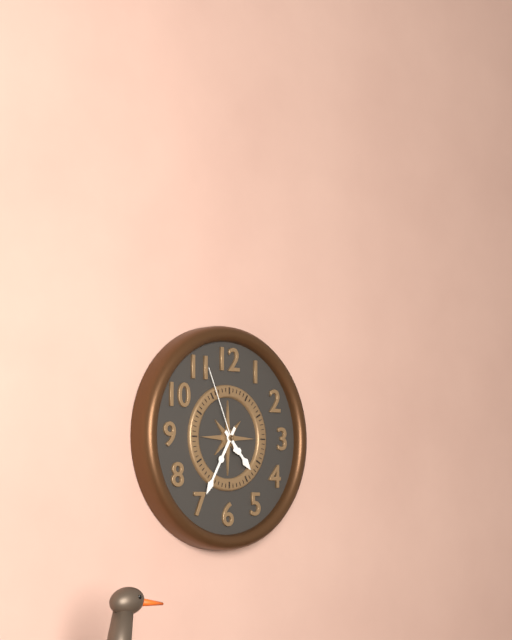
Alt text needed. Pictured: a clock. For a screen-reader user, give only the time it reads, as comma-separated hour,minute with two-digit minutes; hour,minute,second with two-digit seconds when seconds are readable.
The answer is 4,35,56
